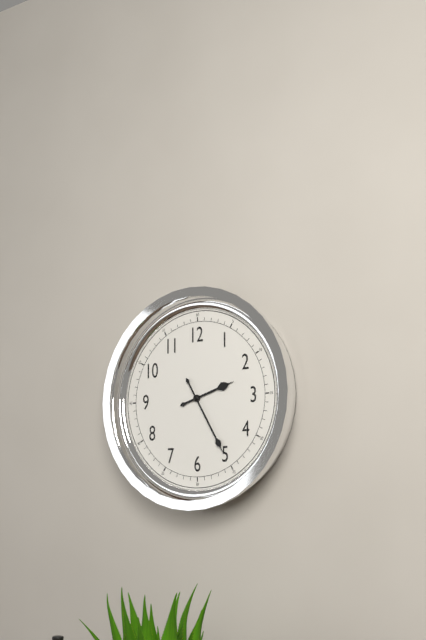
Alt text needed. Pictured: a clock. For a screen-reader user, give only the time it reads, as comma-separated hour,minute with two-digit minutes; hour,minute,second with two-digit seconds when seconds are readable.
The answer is 2,25
